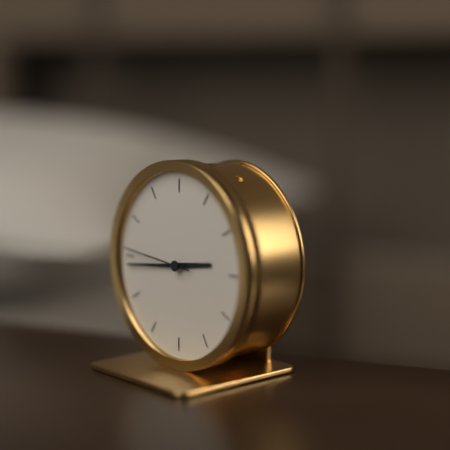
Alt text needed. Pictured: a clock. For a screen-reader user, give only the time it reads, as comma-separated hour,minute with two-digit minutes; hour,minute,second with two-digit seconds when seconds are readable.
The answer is 2,44,46
